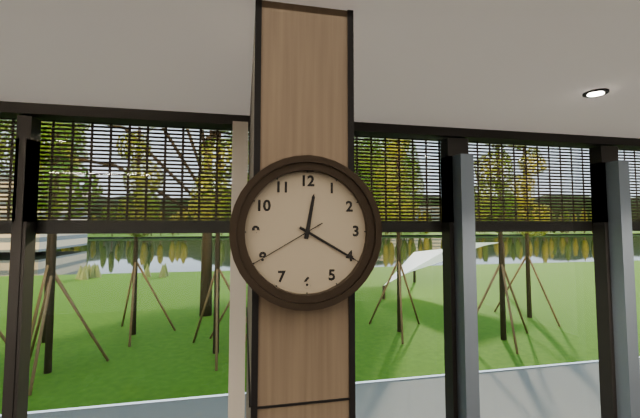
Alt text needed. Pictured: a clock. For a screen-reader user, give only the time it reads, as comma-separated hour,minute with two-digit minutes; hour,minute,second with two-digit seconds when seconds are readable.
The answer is 12,20,40
